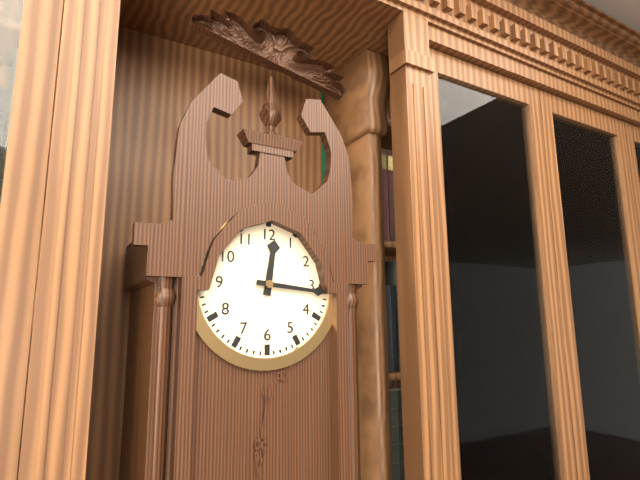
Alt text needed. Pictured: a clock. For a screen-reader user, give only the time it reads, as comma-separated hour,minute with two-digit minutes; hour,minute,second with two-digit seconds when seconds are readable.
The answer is 12,16
